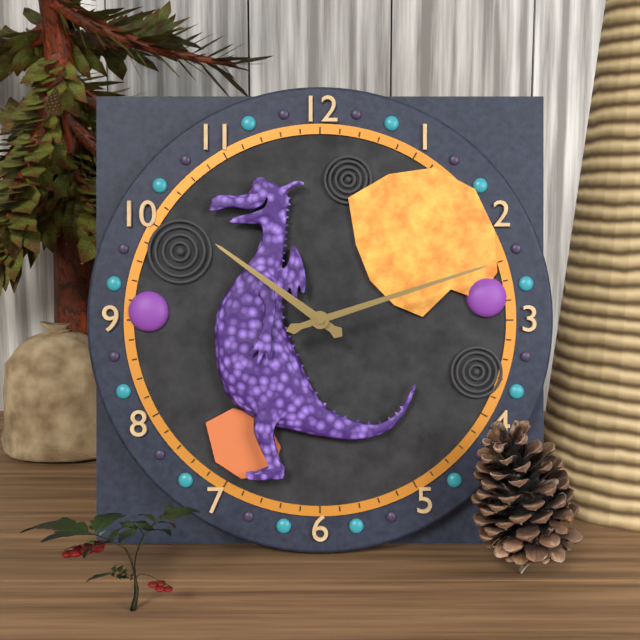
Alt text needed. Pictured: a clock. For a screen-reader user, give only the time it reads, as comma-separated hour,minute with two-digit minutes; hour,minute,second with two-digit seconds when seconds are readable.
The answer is 10,12
